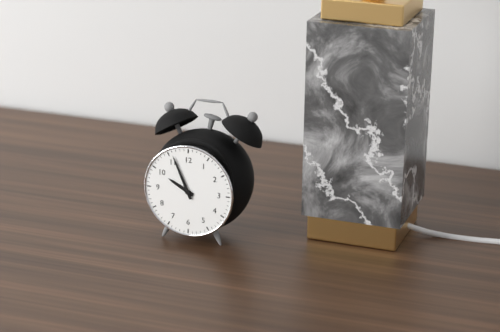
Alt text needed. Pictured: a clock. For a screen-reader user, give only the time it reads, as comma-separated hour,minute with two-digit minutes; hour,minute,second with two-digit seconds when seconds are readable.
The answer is 9,56
